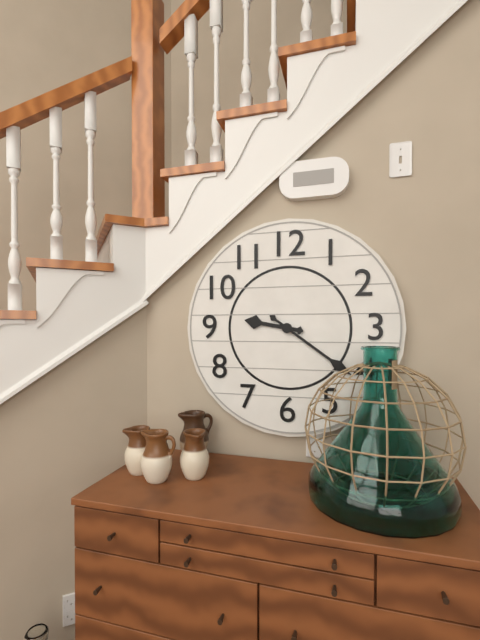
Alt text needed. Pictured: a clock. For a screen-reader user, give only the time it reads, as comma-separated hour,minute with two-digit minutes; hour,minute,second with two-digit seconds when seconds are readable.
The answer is 9,21
